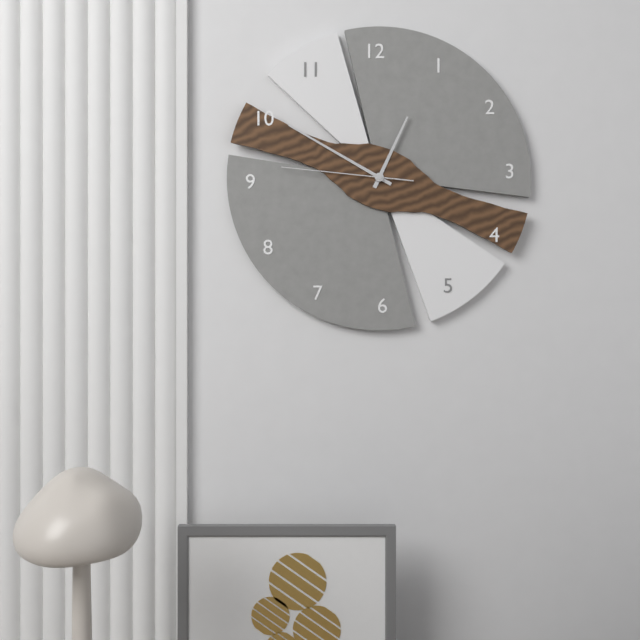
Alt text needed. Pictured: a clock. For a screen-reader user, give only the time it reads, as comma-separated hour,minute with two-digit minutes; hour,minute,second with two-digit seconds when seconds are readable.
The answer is 12,50,46
